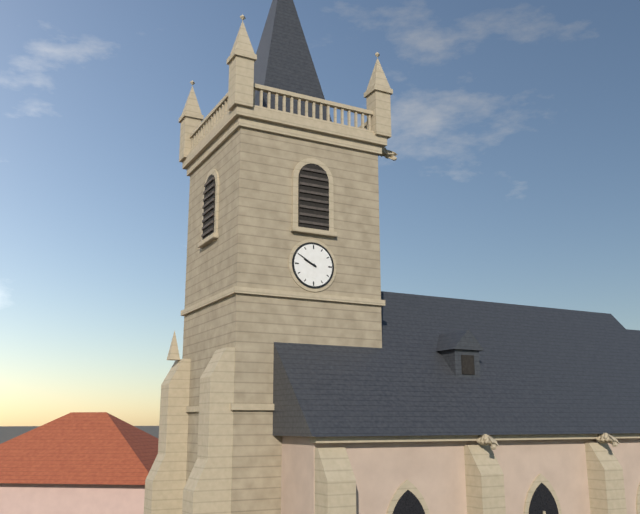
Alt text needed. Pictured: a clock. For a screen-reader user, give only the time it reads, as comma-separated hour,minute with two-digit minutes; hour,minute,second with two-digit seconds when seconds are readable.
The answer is 9,50
